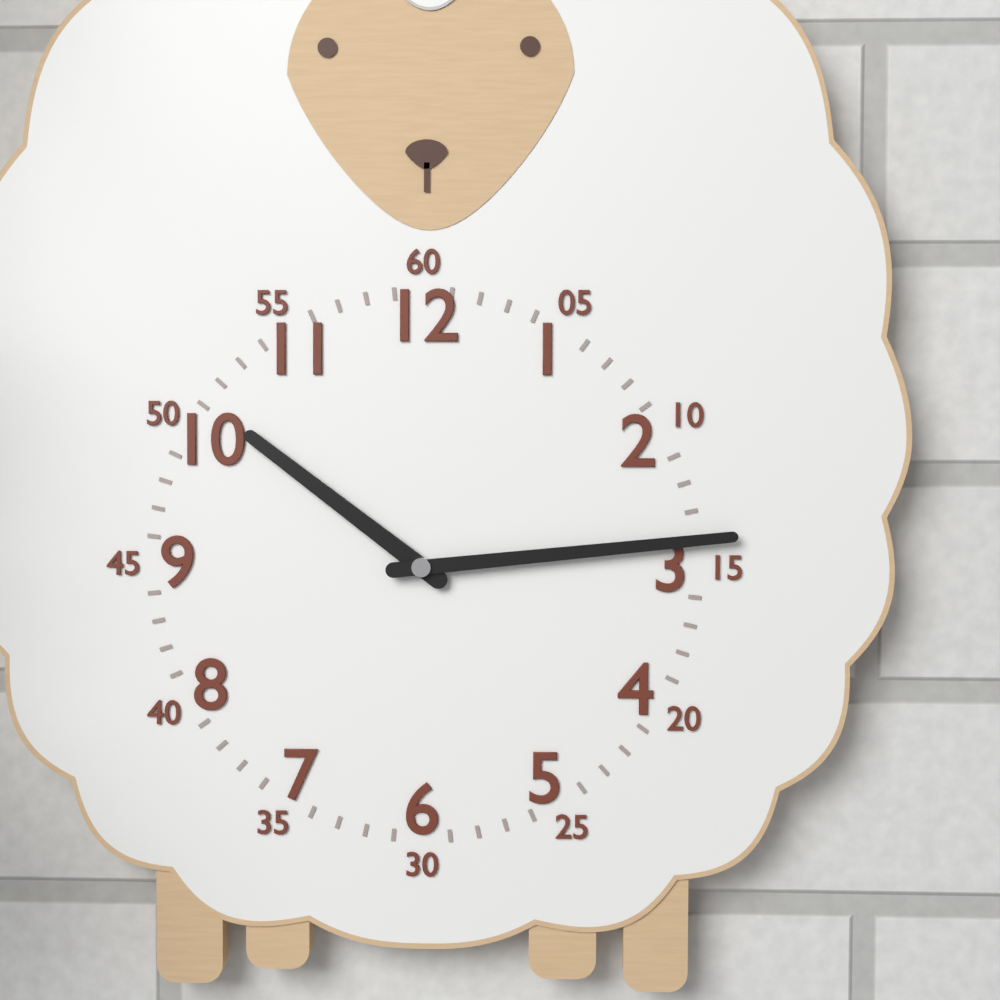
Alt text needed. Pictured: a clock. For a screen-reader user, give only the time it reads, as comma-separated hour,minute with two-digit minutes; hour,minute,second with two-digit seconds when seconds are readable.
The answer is 10,14
